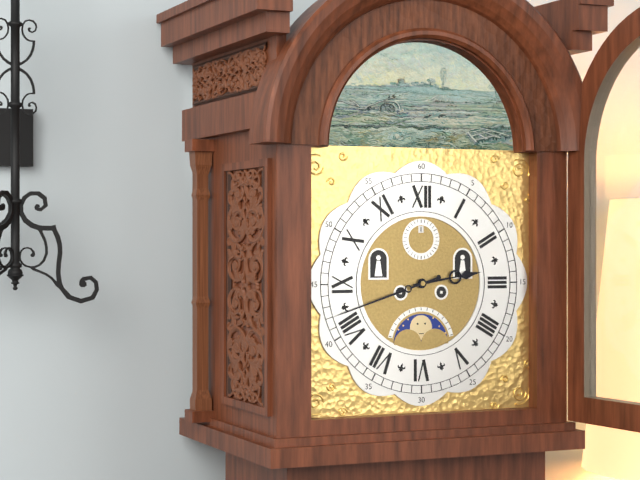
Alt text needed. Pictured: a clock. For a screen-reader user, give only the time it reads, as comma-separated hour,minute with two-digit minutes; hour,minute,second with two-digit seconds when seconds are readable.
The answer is 2,42
